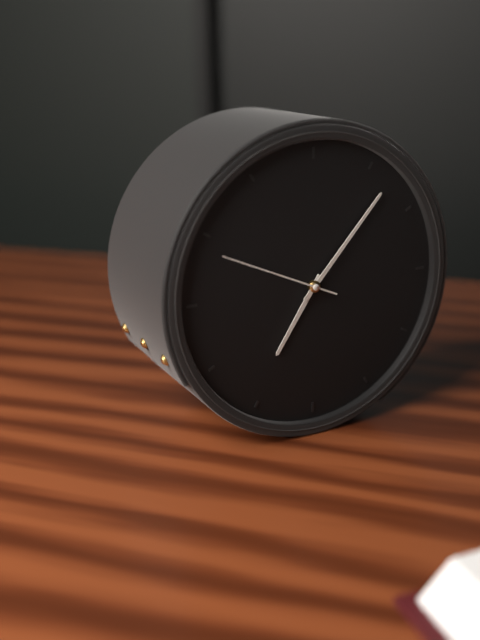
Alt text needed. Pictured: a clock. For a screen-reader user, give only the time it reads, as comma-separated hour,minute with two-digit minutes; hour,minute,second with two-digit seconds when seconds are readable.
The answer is 7,07,49
